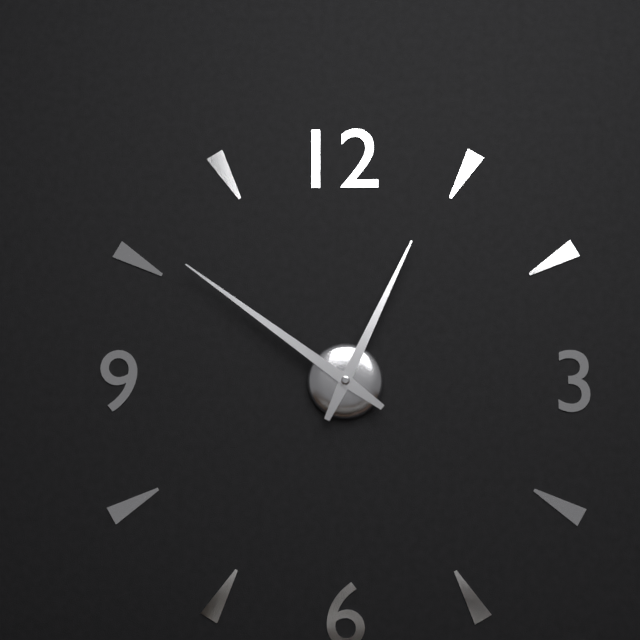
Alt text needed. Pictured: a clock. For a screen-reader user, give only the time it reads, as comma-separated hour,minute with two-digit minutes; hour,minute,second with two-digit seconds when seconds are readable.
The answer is 12,51
